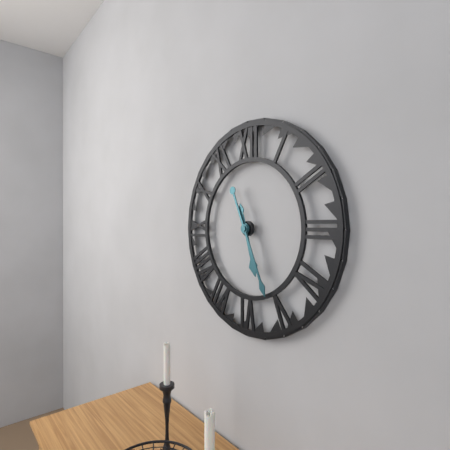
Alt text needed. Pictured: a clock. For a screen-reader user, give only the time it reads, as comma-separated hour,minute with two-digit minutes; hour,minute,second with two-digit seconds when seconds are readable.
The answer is 5,26
